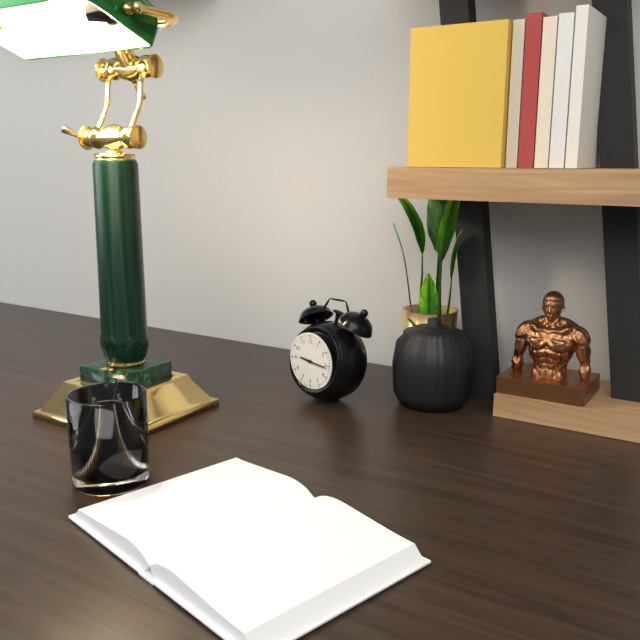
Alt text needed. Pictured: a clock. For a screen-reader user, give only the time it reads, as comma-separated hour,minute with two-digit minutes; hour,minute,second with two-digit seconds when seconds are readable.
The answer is 9,16
